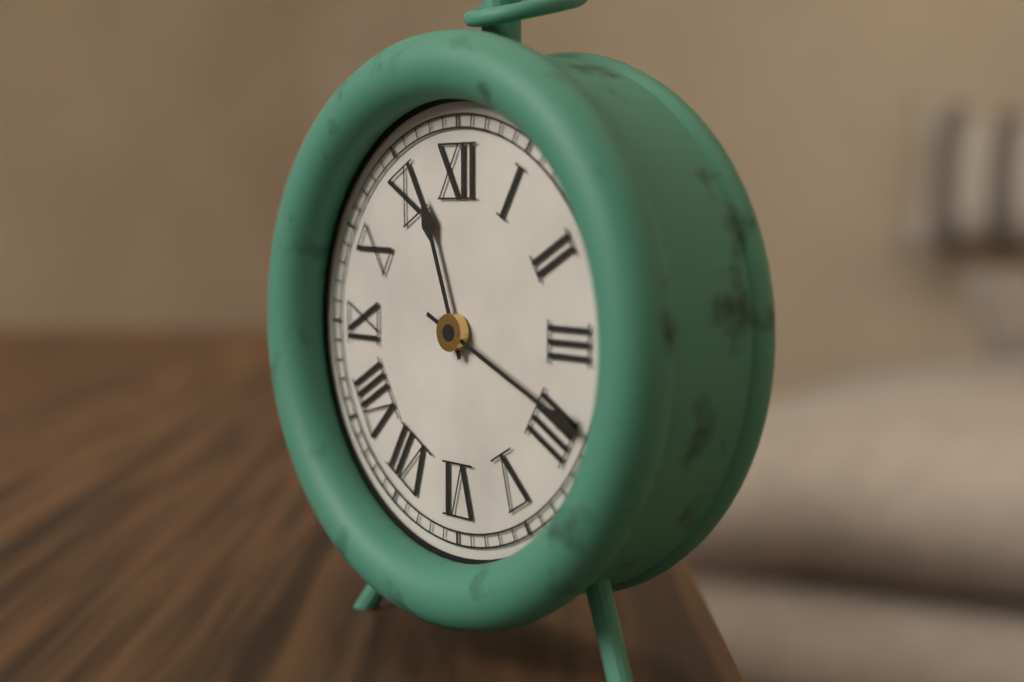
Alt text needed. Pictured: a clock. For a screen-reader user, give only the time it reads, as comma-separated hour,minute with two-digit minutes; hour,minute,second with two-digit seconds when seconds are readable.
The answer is 11,19
